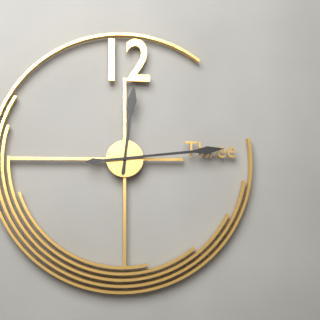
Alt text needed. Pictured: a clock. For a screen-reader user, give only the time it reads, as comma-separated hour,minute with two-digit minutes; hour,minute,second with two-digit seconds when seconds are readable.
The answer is 12,14
